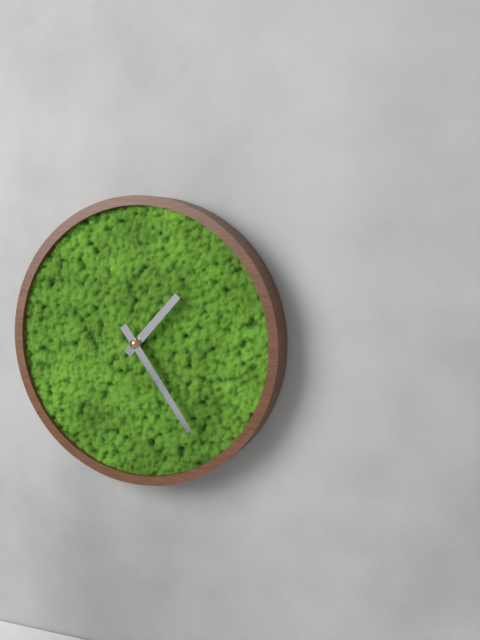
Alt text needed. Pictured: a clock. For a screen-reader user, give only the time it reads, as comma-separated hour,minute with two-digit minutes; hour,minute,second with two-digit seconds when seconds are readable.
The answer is 1,24
